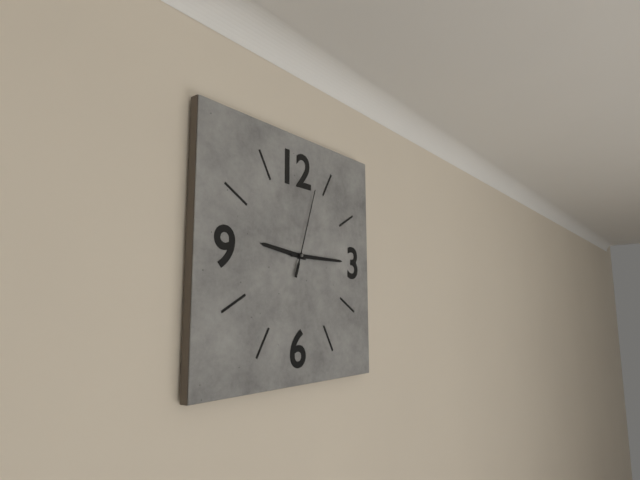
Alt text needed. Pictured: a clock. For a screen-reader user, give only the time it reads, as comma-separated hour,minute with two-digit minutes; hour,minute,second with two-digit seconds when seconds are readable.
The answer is 9,15,03
